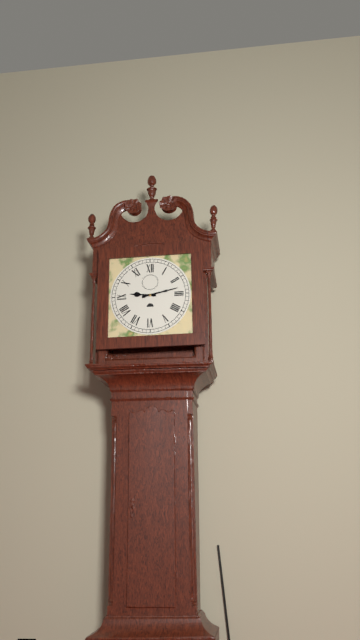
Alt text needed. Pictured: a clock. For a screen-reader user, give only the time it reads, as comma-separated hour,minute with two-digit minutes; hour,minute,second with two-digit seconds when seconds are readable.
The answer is 9,13
